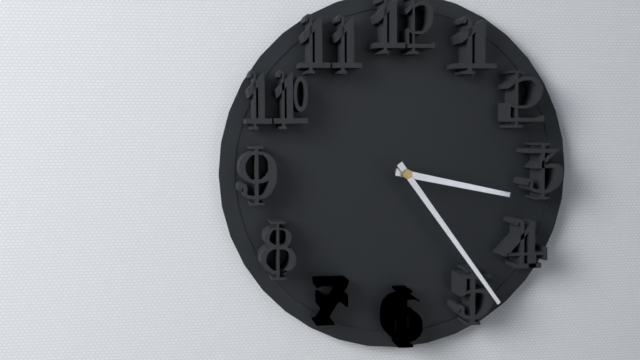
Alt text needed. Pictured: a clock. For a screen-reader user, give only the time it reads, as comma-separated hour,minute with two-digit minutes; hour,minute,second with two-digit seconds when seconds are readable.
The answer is 3,24
